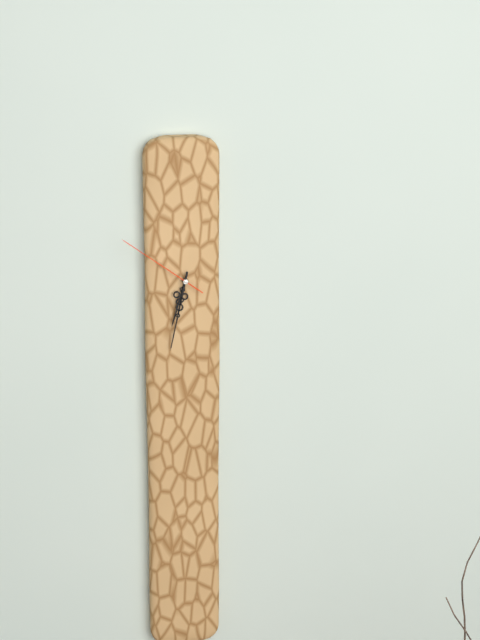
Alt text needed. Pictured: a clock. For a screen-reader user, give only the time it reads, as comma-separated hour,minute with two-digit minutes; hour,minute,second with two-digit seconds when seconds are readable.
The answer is 6,32,51
